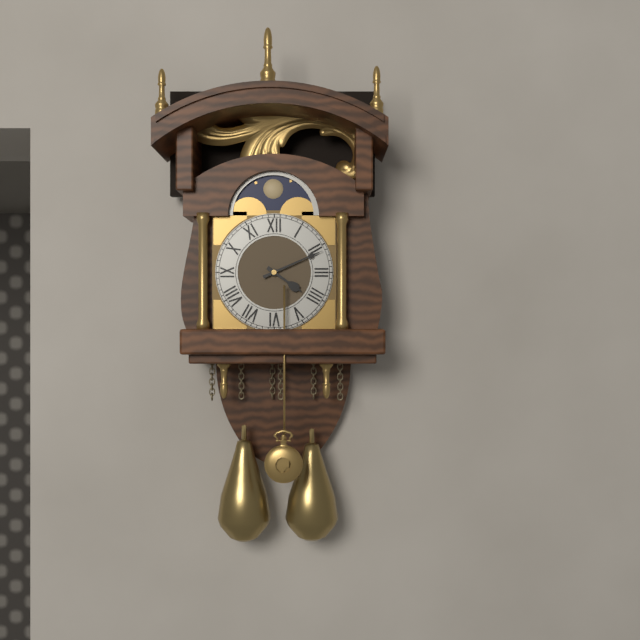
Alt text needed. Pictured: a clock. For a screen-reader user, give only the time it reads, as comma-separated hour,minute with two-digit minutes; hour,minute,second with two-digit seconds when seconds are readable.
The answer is 4,11
